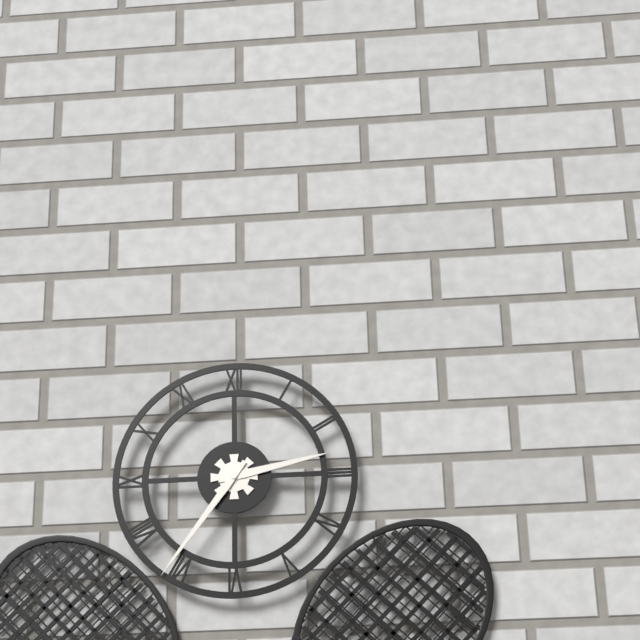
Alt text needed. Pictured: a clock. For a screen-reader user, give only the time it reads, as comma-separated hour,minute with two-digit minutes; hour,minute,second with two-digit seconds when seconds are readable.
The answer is 2,36
